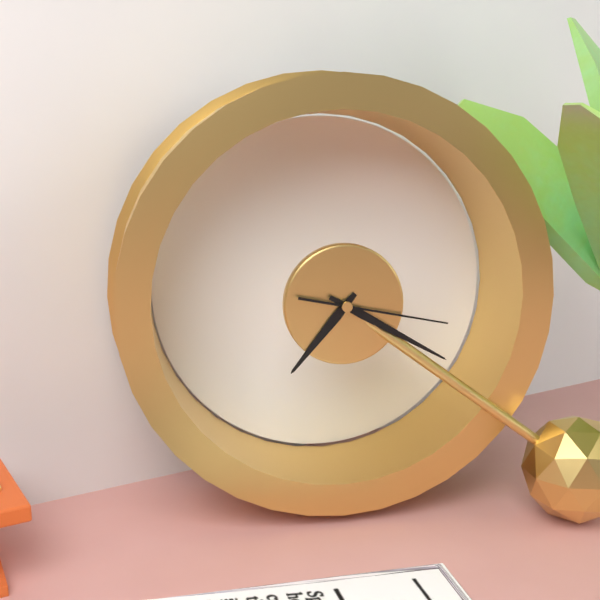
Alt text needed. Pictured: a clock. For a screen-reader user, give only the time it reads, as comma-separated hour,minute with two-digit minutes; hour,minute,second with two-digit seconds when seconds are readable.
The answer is 7,20,17
